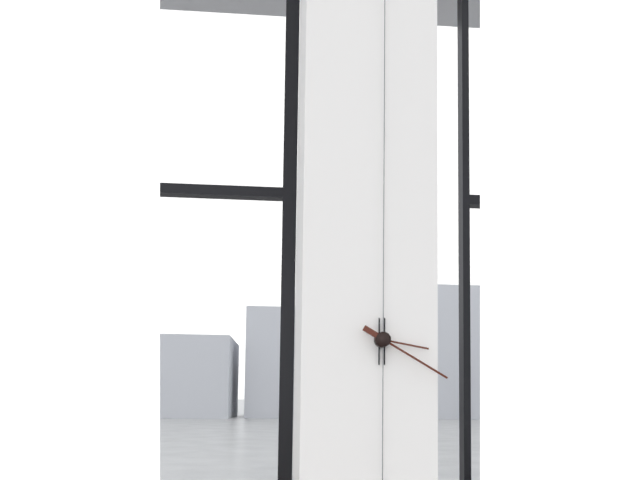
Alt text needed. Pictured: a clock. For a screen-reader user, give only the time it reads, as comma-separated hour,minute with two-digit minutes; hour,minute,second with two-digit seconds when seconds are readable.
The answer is 3,20
